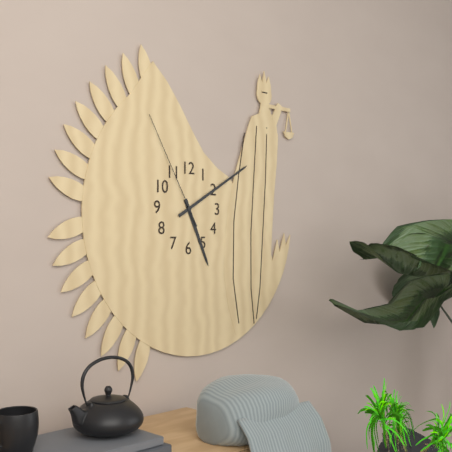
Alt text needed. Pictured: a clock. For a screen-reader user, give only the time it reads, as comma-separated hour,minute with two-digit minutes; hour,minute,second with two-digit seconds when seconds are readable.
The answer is 5,10,55
